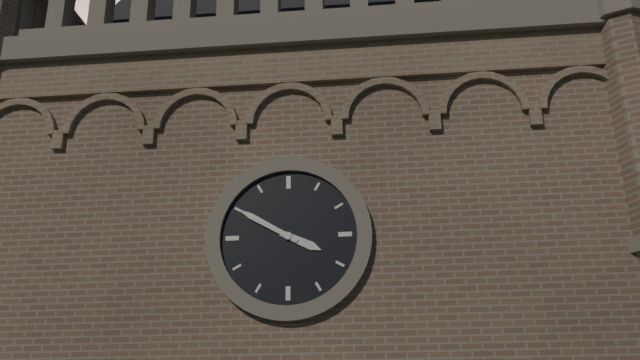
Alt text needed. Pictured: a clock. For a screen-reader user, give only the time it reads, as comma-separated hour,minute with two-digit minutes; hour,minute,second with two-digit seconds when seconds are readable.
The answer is 3,50
